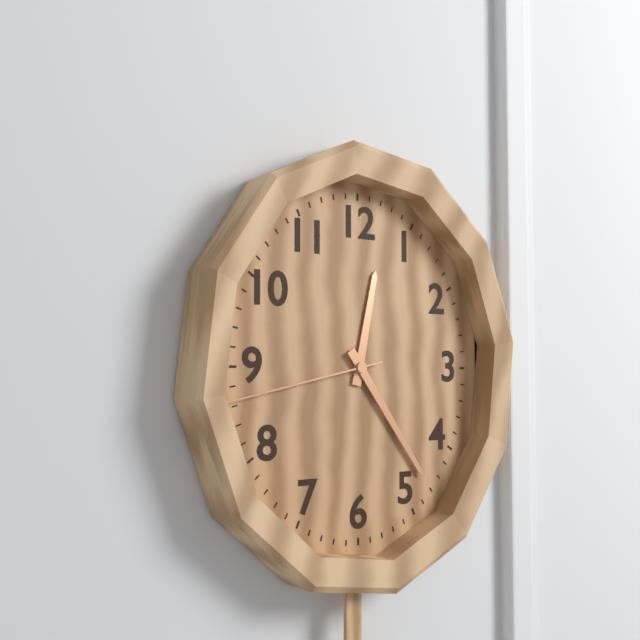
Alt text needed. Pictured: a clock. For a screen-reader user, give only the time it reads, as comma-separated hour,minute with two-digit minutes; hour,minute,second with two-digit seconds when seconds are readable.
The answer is 12,24,43
